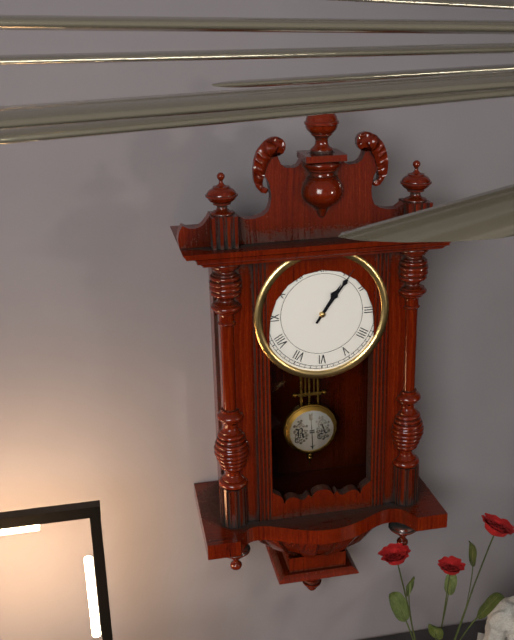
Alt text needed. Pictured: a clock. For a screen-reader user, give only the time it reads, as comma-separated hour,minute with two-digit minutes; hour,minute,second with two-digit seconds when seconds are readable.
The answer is 1,06
